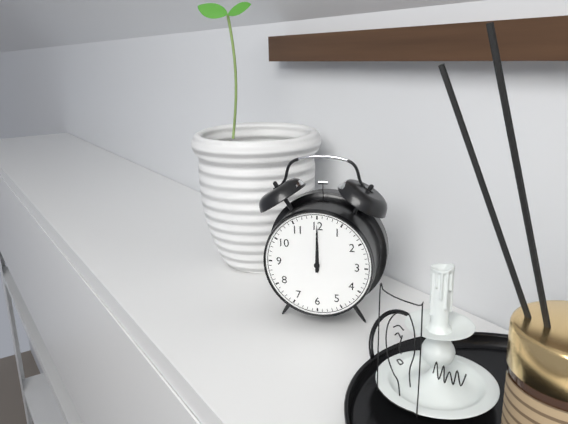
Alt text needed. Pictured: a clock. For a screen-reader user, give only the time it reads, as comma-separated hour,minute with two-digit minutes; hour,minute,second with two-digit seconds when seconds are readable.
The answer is 12,00
